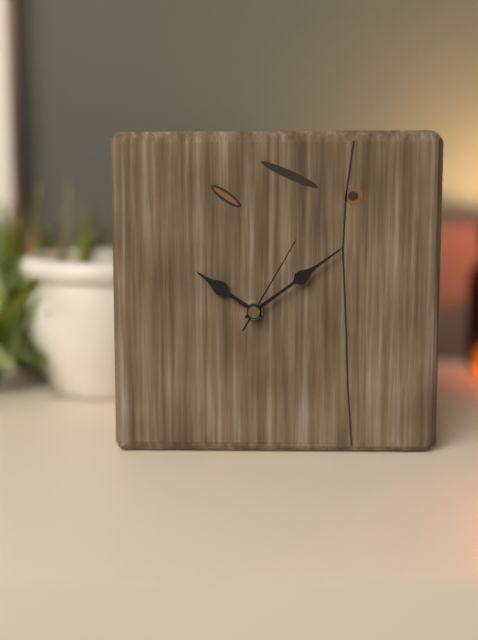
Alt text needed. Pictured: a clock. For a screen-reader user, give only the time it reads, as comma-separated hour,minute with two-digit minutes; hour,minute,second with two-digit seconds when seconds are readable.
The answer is 10,09,05
